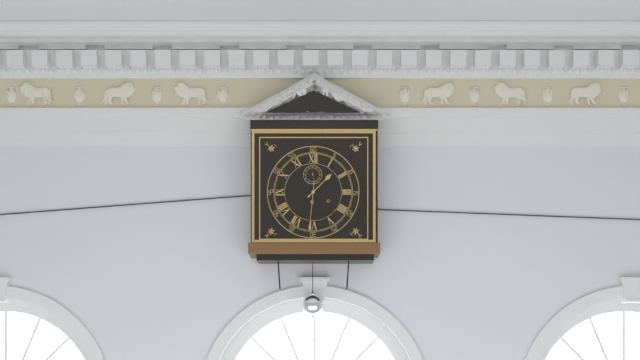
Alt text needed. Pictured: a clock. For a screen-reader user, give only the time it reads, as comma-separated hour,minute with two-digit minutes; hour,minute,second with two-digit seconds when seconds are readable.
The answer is 1,31
